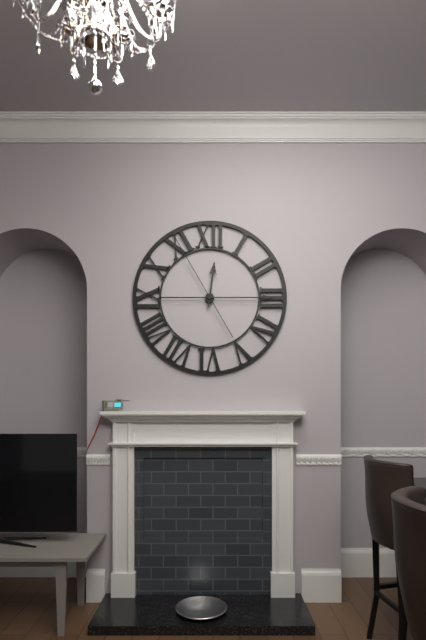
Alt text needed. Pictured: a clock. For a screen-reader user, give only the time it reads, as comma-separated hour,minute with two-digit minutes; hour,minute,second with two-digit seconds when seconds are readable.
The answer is 12,15,55
